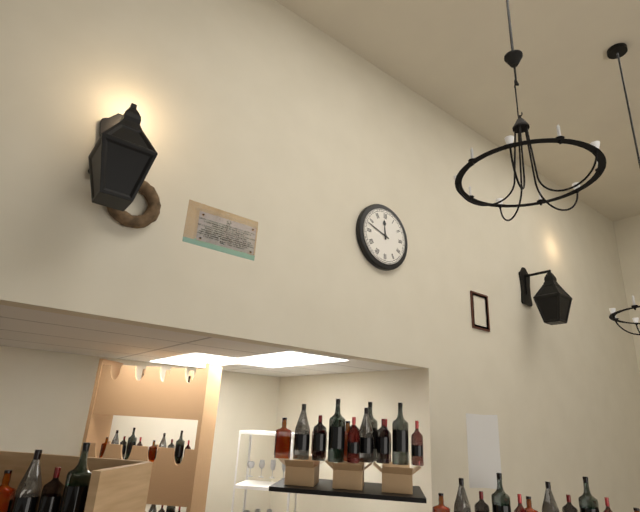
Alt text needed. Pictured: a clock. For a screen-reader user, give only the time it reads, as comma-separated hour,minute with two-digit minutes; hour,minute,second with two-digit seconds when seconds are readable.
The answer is 11,48
